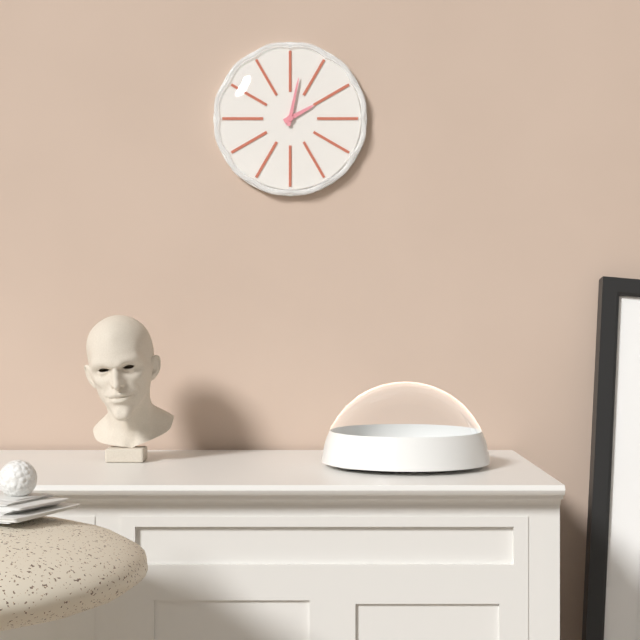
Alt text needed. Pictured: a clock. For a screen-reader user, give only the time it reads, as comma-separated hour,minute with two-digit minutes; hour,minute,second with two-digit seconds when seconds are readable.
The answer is 2,02
